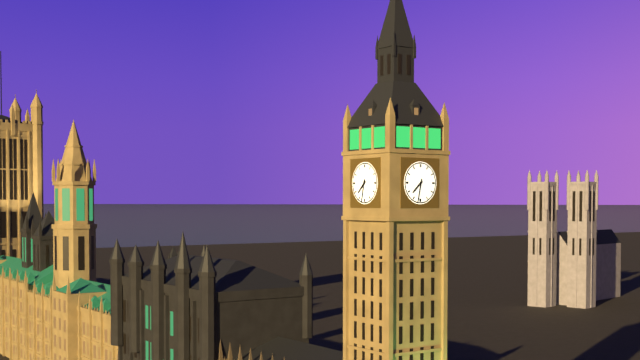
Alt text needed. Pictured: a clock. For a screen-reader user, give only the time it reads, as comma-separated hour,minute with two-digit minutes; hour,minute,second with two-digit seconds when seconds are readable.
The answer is 7,32
